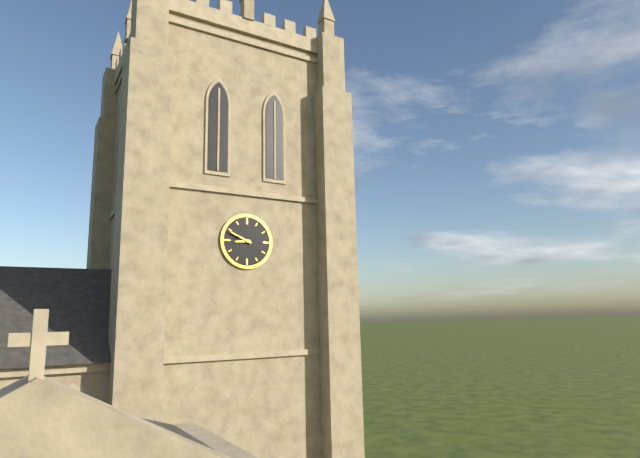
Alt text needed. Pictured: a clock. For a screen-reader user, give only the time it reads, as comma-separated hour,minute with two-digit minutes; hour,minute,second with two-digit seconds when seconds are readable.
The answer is 8,49
